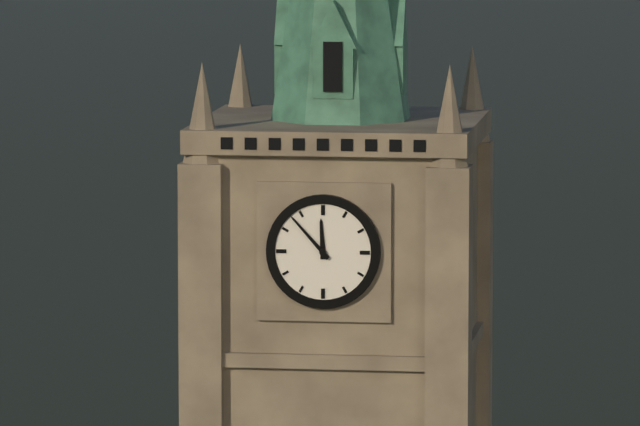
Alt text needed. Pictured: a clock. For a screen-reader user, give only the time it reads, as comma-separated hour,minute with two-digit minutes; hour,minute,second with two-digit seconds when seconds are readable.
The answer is 11,53
